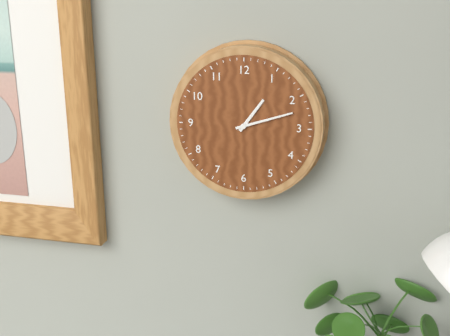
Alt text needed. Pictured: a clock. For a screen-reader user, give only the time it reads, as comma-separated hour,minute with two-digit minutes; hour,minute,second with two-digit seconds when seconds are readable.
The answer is 1,12
